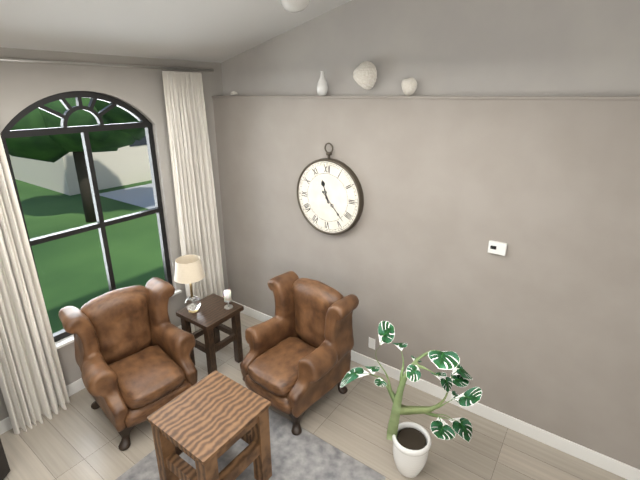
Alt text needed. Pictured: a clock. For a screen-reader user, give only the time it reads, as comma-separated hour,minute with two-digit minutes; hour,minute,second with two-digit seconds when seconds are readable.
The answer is 11,23
